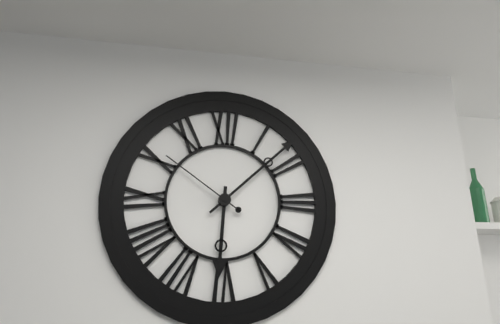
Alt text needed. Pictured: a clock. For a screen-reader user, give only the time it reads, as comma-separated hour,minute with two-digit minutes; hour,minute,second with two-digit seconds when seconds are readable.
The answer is 6,08,51
